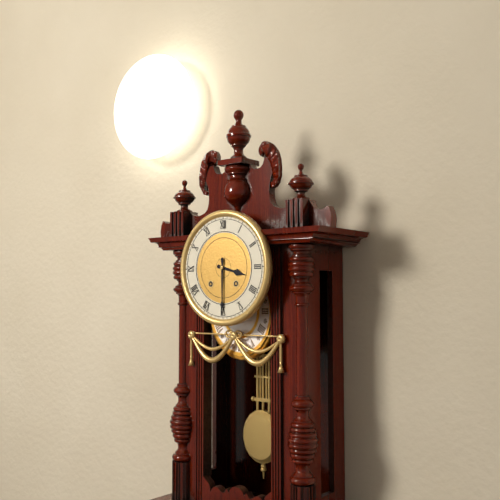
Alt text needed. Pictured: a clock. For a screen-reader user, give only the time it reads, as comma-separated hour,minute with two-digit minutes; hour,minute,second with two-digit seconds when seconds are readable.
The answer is 3,30
